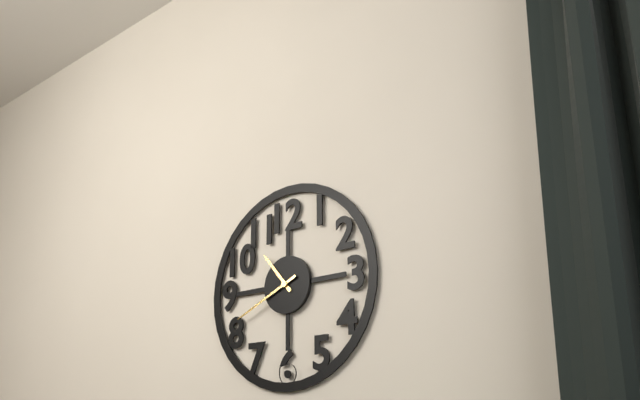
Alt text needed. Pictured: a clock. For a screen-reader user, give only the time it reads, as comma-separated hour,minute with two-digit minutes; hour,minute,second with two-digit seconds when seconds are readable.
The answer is 10,41
